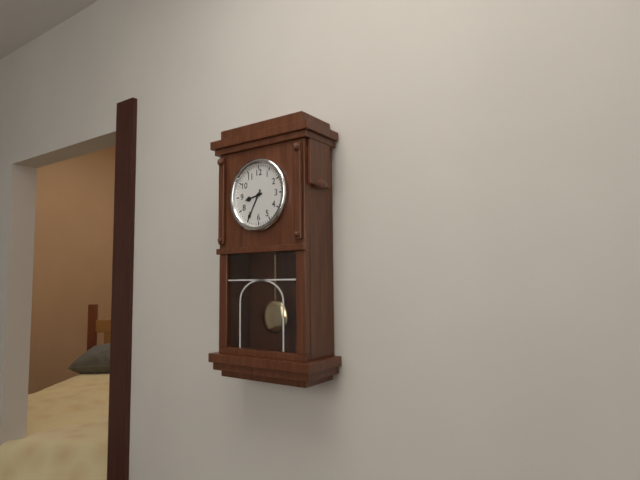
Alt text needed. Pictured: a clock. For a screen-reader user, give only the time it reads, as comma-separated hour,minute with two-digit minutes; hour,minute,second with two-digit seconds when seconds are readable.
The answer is 8,35
